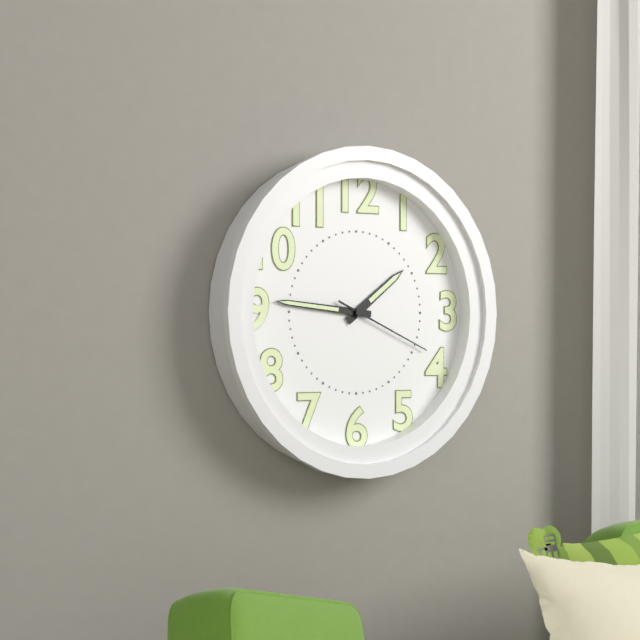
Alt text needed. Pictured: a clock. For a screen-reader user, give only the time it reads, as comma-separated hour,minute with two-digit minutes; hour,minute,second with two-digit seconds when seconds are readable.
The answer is 1,46,19
